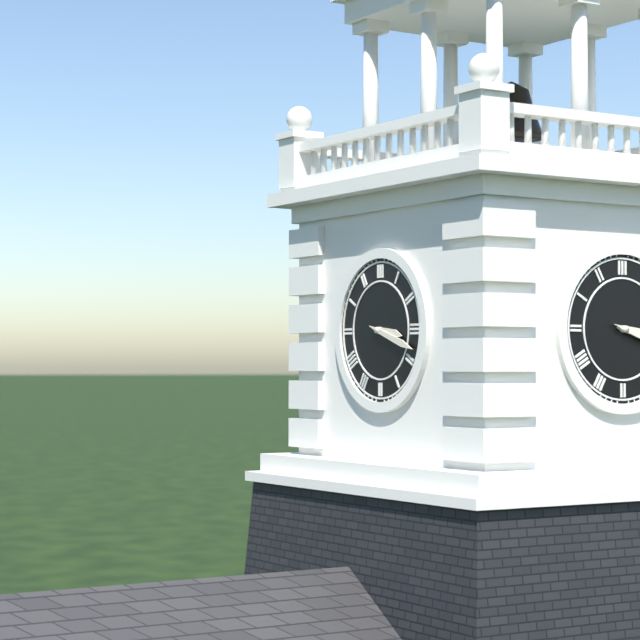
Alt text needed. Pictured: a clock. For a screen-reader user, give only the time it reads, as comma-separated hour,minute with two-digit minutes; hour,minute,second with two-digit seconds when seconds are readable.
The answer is 3,18
